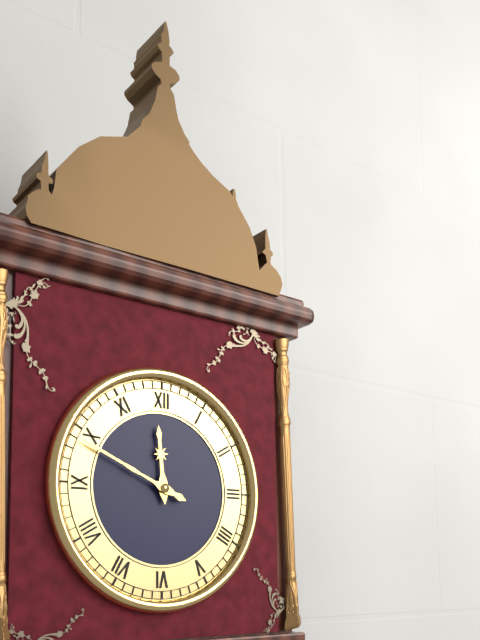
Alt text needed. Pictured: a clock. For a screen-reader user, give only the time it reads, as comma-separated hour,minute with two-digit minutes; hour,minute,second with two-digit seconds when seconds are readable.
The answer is 11,49
